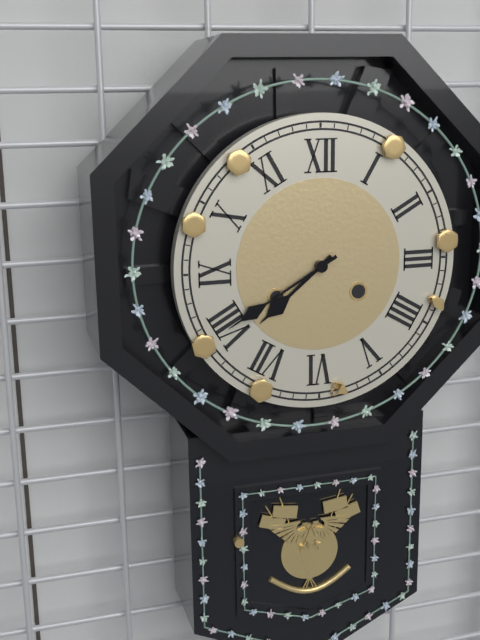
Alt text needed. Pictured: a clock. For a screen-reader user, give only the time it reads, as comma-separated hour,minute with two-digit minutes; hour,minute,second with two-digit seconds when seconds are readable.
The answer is 7,40
